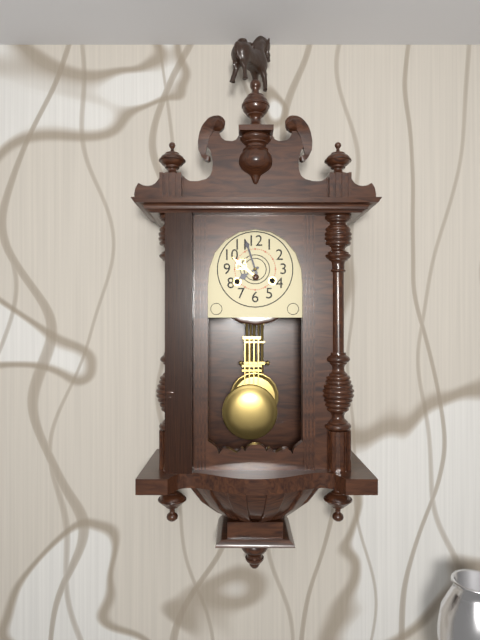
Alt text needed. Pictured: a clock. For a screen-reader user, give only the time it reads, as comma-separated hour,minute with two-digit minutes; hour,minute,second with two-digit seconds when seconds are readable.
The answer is 7,57
